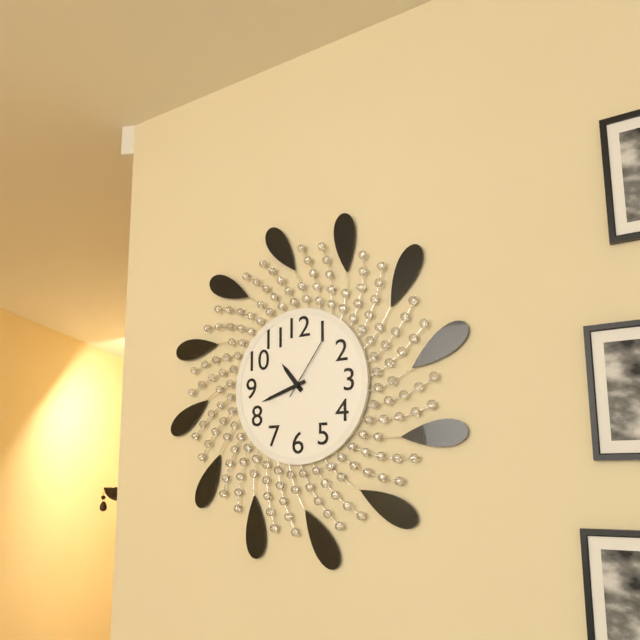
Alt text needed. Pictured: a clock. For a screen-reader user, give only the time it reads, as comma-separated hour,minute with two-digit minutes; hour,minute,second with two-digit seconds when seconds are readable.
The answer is 10,42,06
